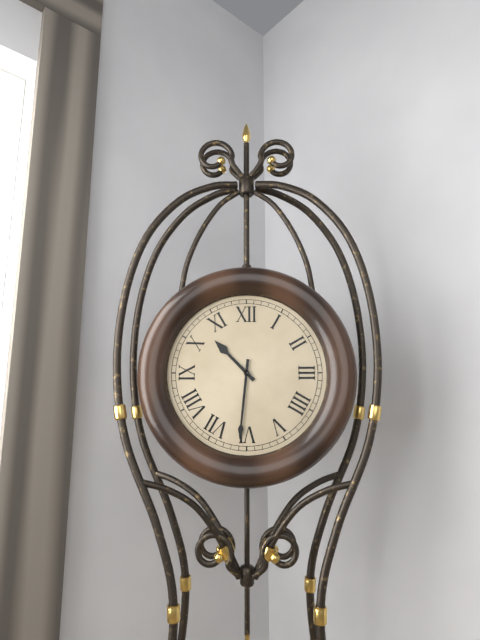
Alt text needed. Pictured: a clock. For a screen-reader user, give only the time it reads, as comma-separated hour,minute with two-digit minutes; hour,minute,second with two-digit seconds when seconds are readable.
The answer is 10,31
